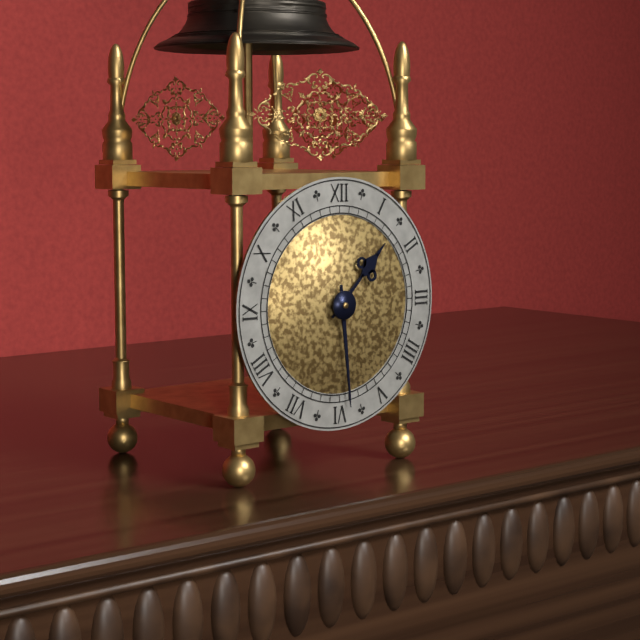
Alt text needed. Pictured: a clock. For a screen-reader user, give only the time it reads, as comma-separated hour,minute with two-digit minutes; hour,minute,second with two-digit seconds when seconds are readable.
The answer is 1,29
